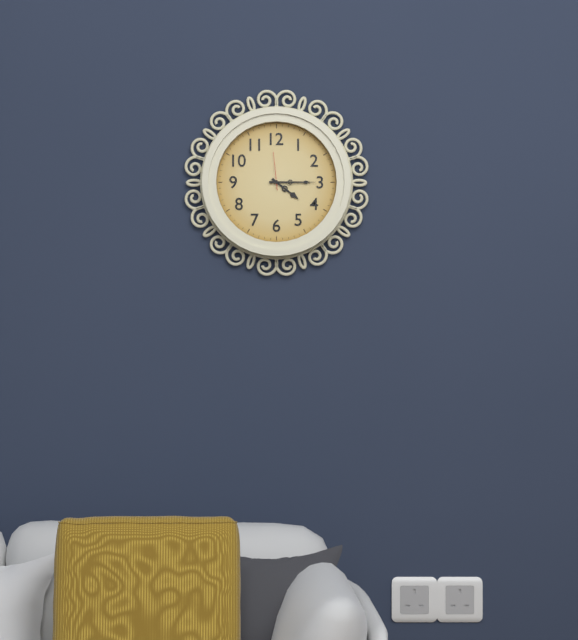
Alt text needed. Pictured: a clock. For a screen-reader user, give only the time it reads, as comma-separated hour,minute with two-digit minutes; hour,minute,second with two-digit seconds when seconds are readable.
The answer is 4,15
